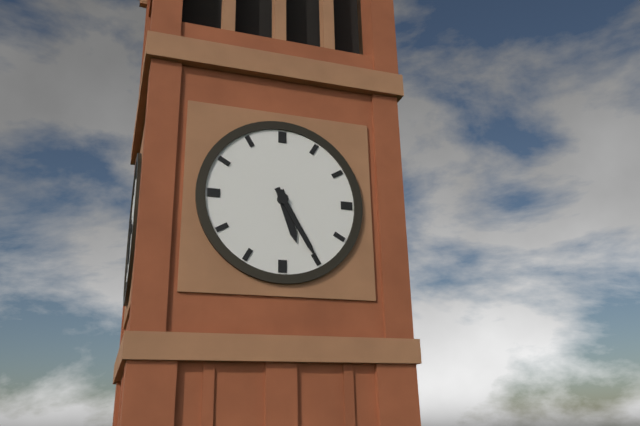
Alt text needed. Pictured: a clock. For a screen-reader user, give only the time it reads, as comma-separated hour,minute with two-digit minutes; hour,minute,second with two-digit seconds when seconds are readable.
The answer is 5,25
